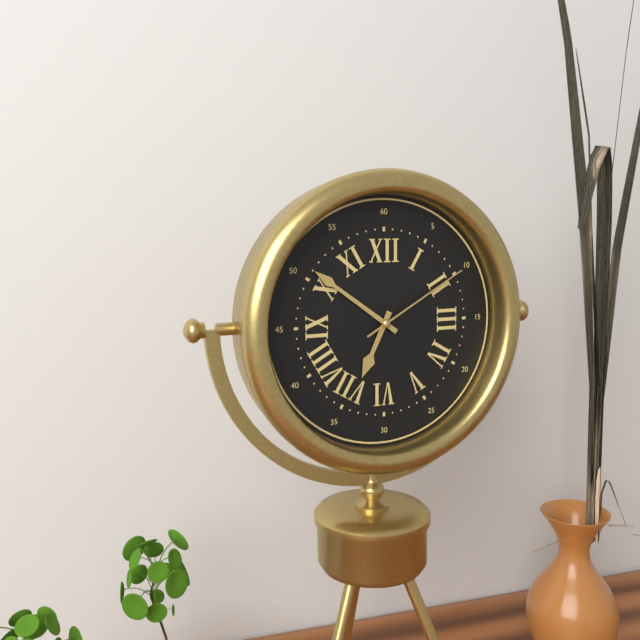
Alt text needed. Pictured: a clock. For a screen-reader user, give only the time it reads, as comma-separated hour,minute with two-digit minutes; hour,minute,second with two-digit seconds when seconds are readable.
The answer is 6,51,10
